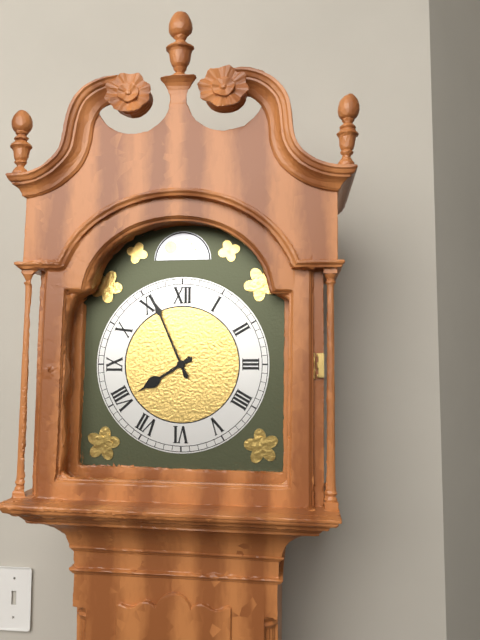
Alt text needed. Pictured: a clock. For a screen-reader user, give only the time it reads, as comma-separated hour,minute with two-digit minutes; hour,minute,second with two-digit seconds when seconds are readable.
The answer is 7,56
